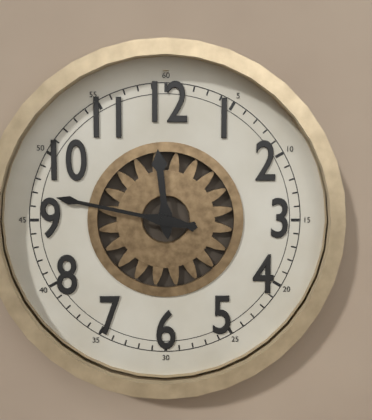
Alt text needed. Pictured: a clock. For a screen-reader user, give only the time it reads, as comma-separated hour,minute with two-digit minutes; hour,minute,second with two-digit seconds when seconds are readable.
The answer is 11,47
